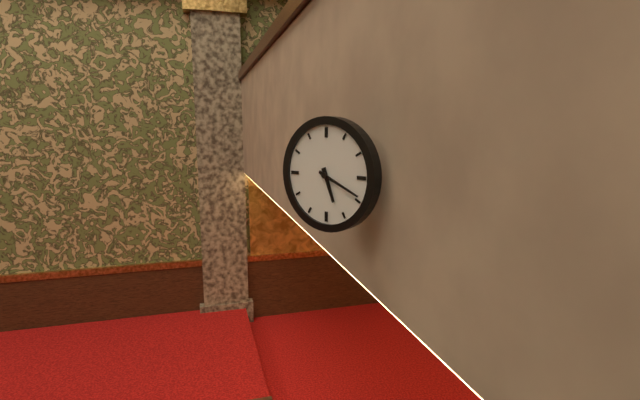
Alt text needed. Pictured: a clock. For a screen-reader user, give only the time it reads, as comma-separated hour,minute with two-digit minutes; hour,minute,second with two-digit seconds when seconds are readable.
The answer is 5,19
